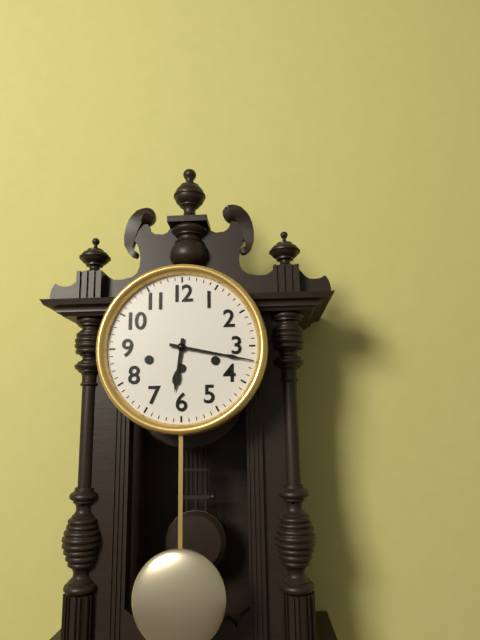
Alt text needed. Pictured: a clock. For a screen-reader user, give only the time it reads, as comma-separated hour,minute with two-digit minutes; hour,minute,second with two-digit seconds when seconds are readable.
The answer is 6,17
